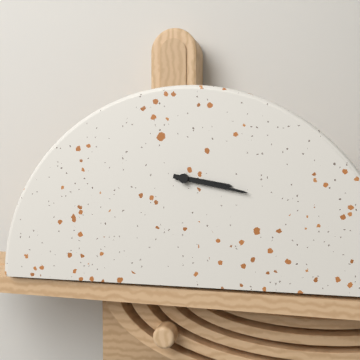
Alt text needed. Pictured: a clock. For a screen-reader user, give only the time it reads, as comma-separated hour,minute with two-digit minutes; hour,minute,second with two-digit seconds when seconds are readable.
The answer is 3,17
